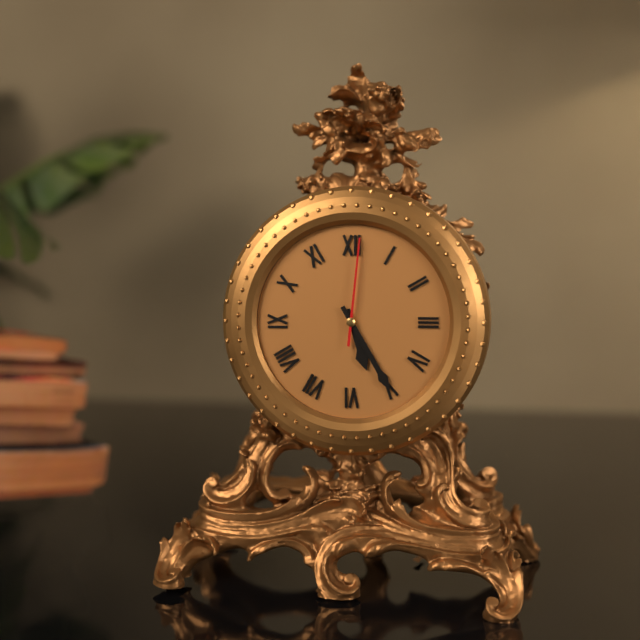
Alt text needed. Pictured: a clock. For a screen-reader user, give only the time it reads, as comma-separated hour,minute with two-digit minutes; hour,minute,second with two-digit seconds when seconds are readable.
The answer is 5,25,01
